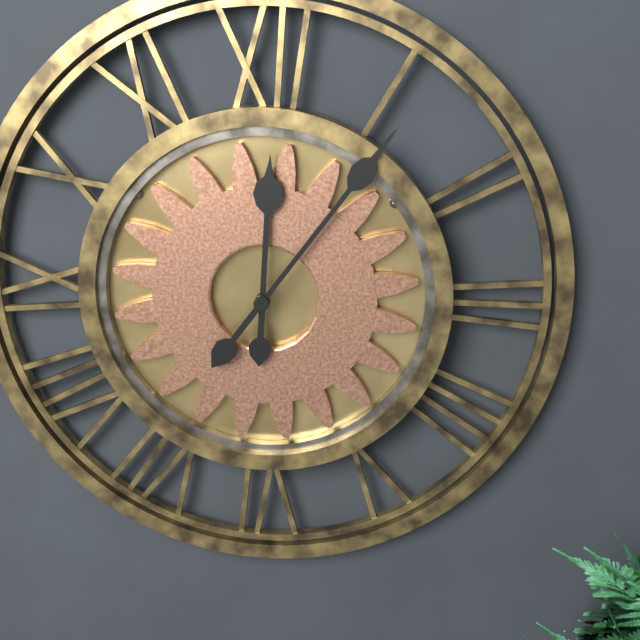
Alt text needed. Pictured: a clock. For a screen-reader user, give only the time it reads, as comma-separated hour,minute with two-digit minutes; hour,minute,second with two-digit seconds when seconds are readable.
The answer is 12,06
